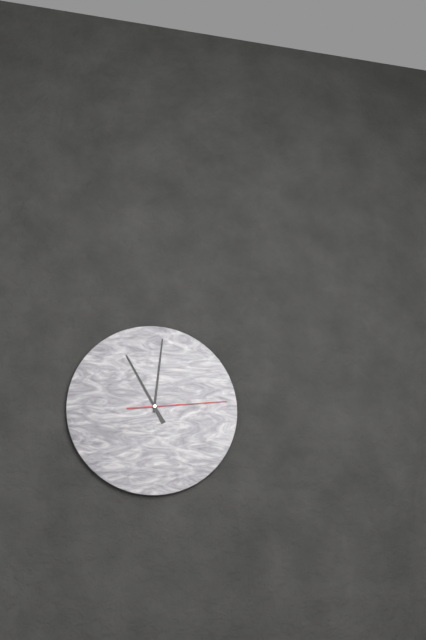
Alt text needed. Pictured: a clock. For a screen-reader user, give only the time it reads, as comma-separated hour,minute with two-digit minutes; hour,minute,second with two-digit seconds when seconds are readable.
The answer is 11,01,14
